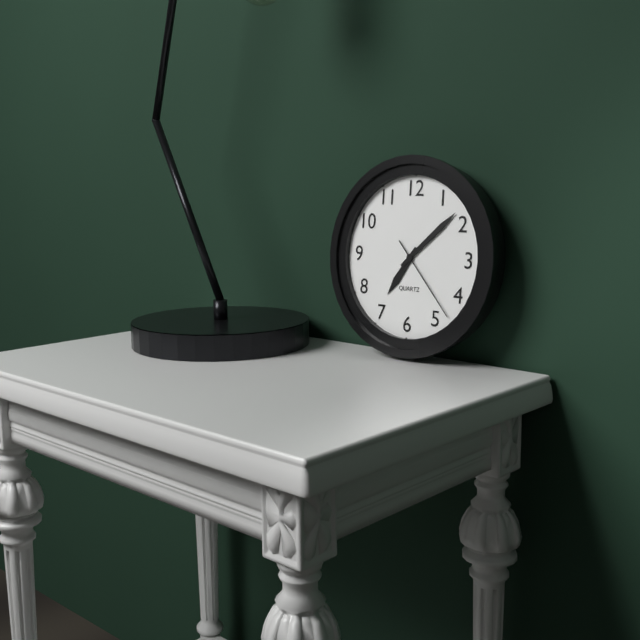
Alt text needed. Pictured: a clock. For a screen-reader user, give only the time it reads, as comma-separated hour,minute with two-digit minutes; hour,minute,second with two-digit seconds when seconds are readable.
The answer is 7,08,23
